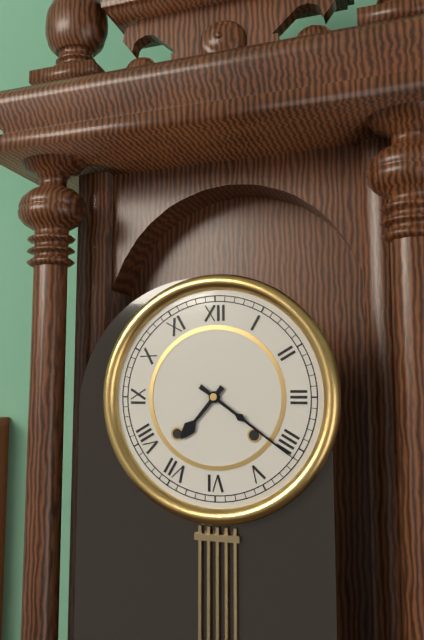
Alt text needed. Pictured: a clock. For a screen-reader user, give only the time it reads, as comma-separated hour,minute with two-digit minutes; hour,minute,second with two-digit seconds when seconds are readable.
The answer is 7,21
